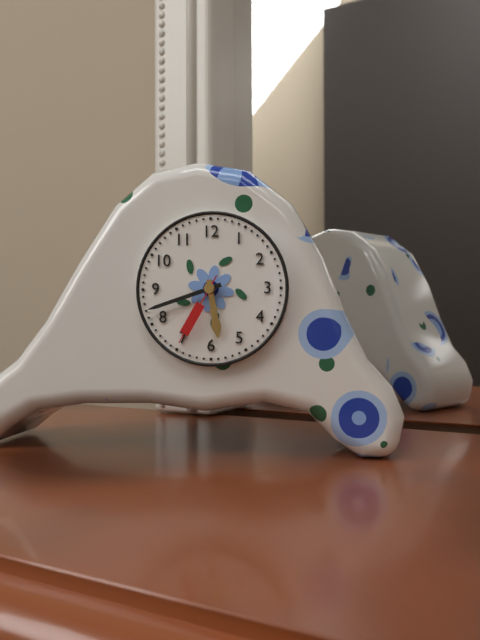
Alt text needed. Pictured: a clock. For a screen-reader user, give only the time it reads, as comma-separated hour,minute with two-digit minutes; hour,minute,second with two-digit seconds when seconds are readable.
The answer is 5,42,35
